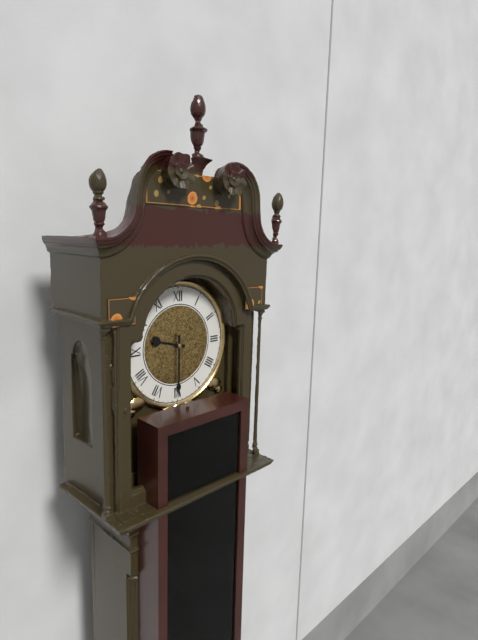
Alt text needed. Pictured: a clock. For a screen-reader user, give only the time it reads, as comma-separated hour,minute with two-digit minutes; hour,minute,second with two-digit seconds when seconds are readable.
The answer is 9,30
